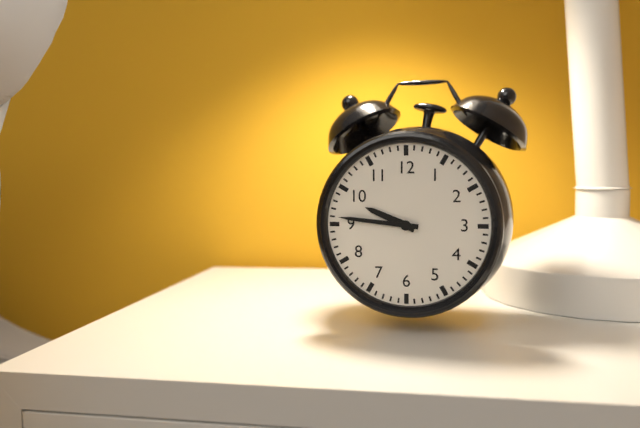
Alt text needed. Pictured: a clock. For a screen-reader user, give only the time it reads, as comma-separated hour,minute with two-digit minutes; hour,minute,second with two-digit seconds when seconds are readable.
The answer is 9,46
